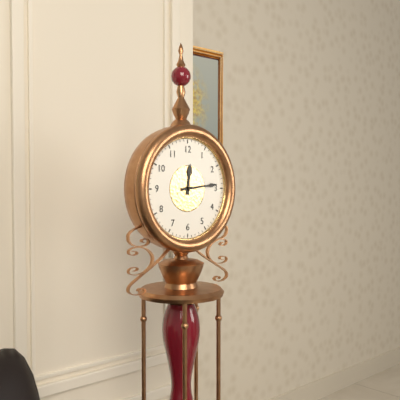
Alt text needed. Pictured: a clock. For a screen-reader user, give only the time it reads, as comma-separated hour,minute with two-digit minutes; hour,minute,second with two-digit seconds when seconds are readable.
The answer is 12,14
